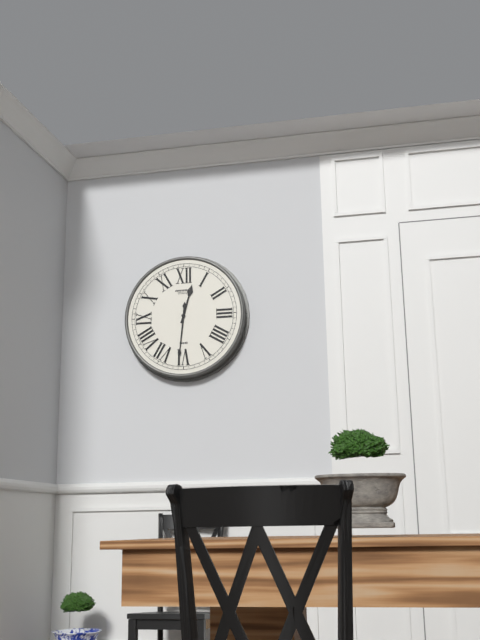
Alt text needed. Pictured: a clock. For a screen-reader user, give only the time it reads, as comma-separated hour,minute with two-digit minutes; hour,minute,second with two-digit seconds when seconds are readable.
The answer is 12,31
